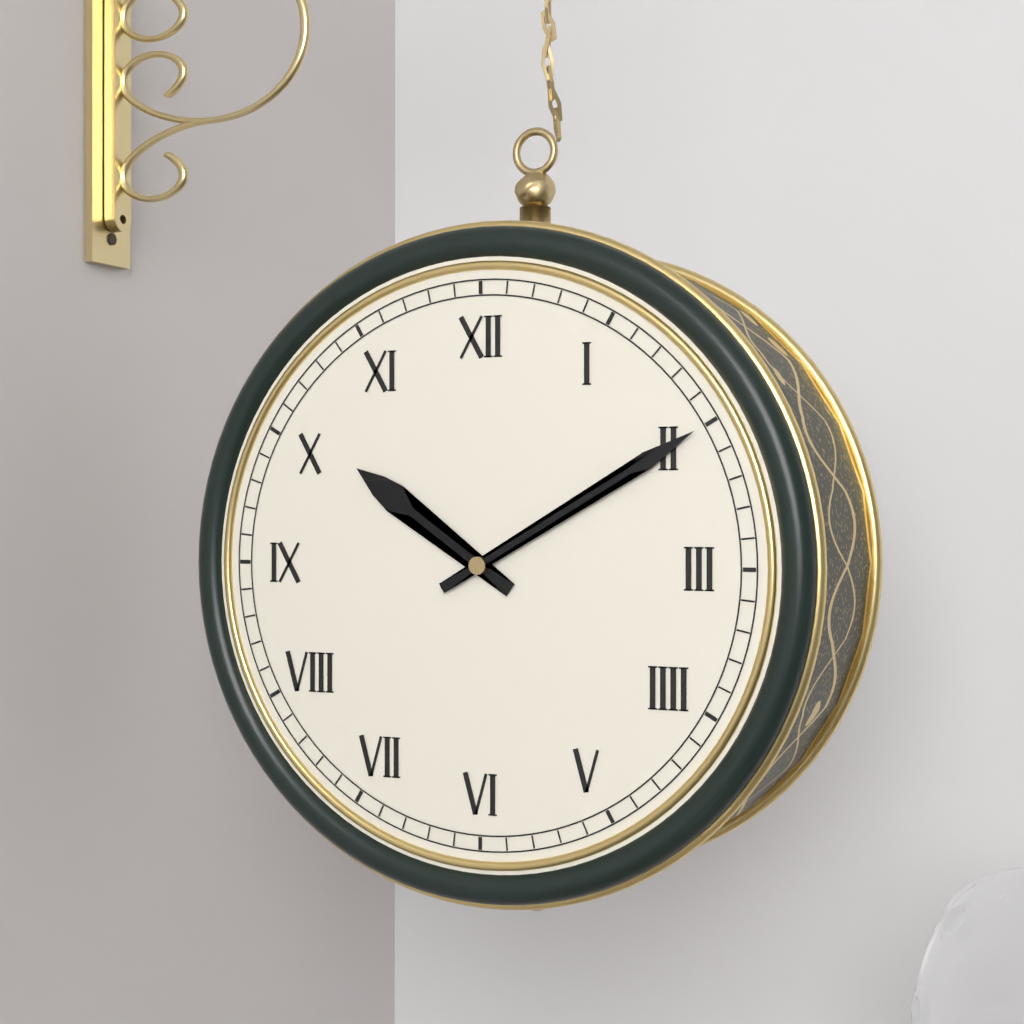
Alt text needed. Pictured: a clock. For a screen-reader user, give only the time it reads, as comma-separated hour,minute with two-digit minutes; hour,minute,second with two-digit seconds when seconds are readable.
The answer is 10,10
